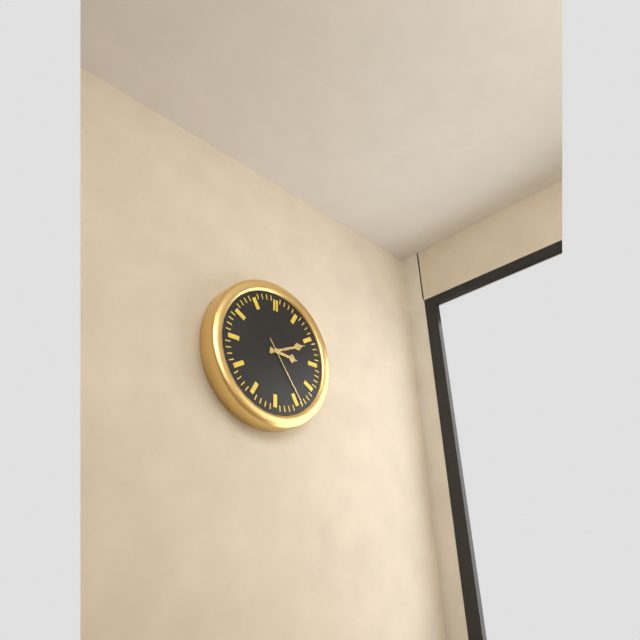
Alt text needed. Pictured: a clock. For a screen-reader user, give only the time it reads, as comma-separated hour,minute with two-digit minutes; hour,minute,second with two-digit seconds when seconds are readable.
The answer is 3,11,24
